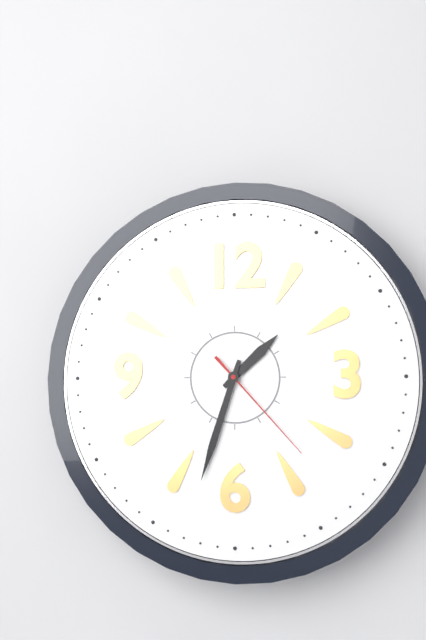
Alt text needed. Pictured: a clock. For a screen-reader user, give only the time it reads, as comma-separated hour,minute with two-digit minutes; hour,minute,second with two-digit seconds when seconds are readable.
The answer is 1,33,23
